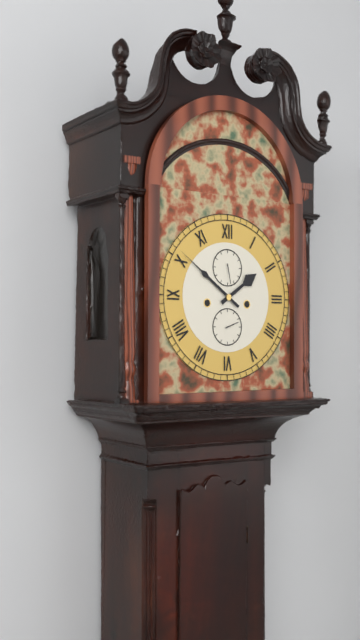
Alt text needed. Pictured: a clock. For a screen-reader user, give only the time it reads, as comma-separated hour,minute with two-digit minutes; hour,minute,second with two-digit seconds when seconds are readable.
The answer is 1,51
